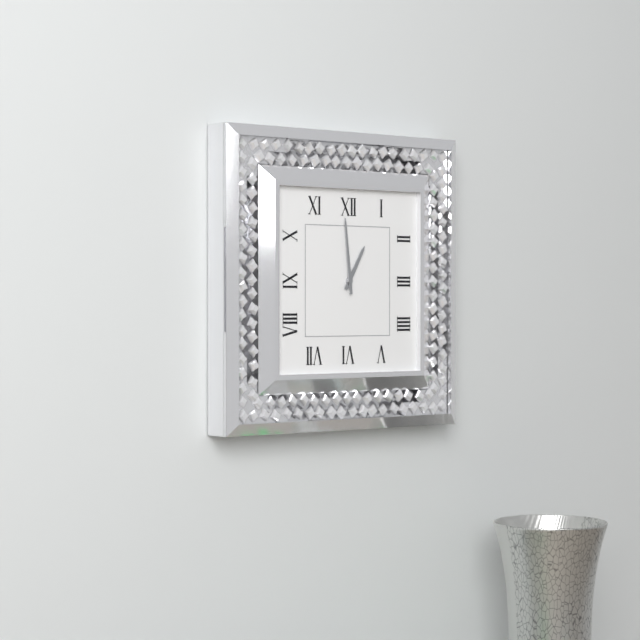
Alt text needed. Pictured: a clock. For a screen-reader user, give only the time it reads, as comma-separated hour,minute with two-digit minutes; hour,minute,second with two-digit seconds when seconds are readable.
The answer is 12,59
